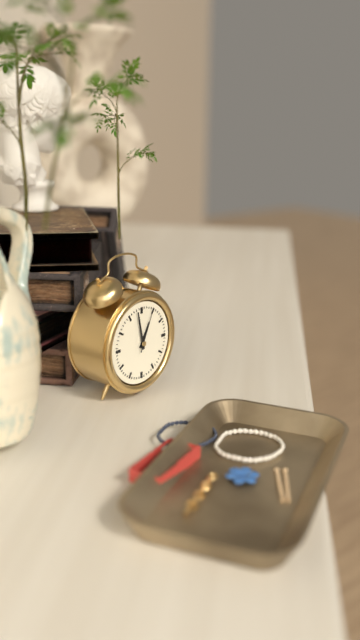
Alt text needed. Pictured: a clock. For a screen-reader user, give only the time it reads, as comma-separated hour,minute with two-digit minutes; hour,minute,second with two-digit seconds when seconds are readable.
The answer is 12,58
